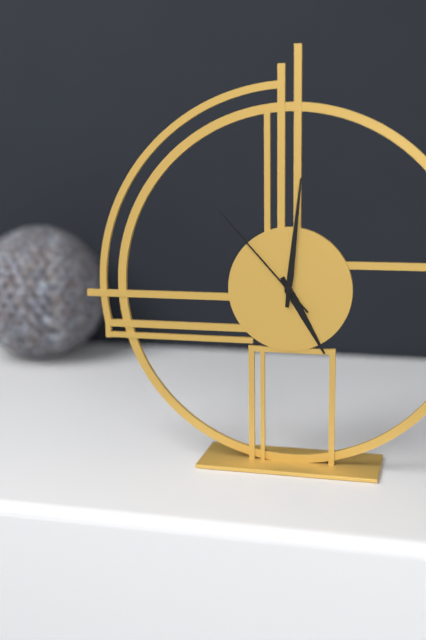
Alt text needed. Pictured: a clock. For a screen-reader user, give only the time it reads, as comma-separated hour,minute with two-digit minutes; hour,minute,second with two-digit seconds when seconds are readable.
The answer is 5,01,53
